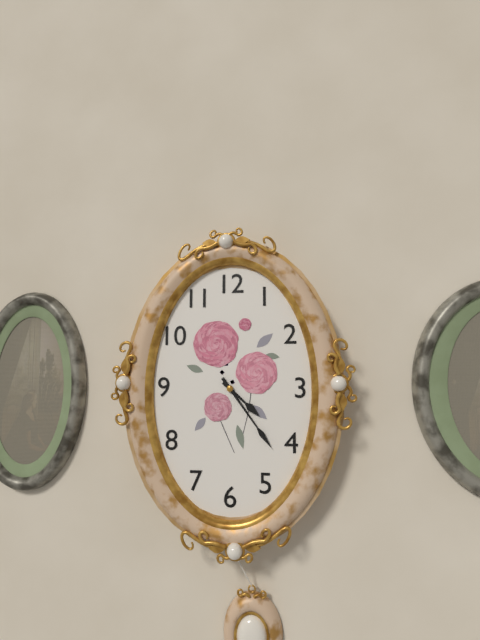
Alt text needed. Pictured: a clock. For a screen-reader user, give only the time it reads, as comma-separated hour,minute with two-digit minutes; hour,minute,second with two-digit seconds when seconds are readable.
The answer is 4,24
